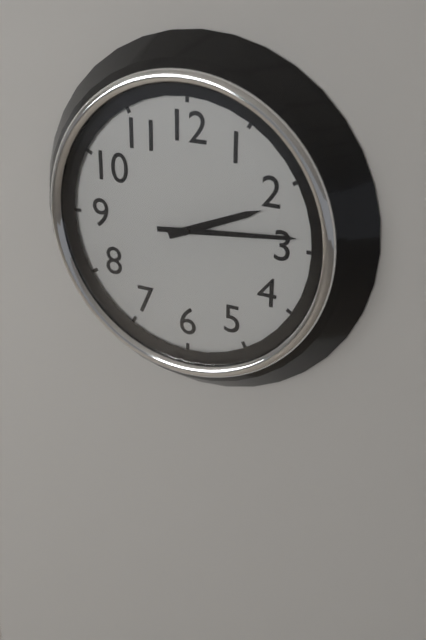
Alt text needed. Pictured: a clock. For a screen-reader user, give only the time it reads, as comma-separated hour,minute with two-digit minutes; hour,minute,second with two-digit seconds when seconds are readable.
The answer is 2,14
